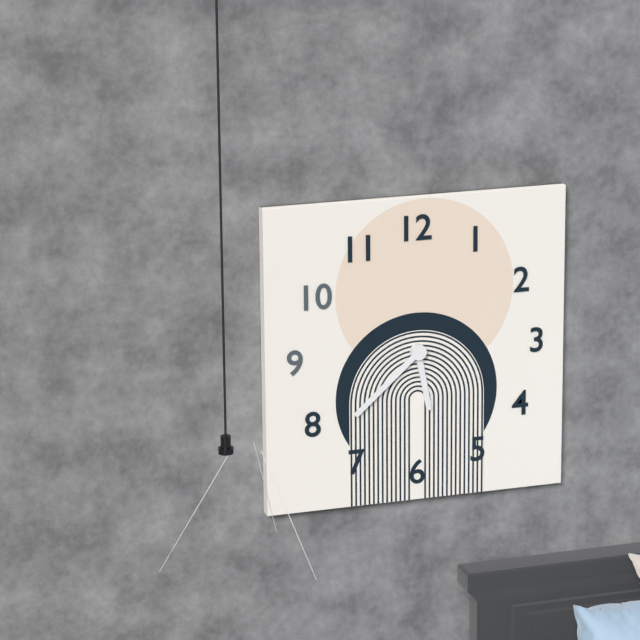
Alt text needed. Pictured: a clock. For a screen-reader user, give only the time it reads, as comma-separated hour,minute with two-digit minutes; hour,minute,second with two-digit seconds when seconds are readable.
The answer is 5,38
